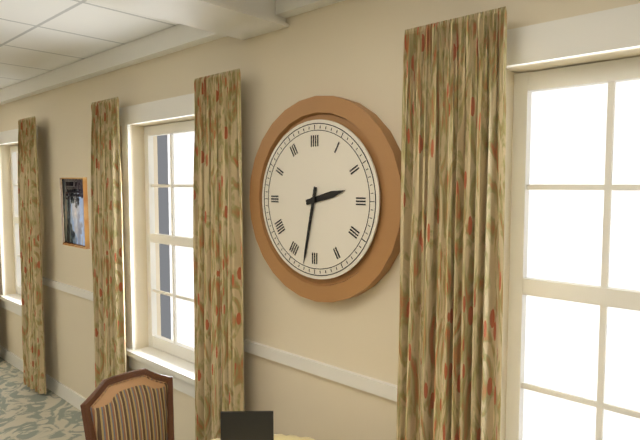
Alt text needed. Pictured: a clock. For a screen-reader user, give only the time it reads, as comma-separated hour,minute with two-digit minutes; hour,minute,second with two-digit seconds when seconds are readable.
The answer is 2,32
